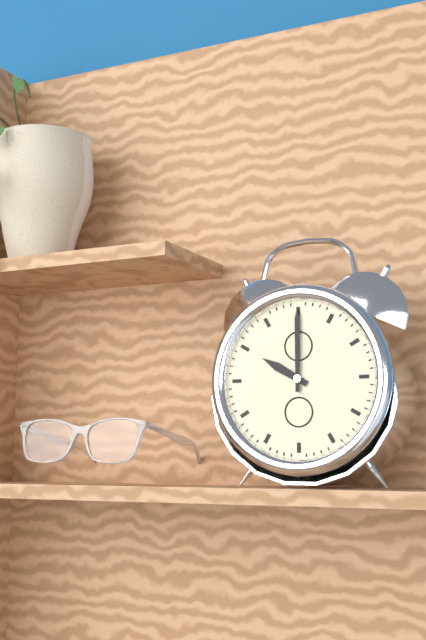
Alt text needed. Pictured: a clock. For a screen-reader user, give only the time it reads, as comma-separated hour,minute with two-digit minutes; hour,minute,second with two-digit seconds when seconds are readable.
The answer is 10,00
